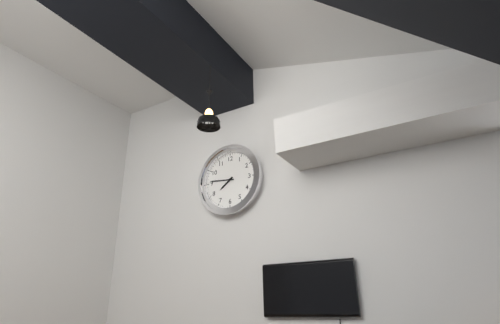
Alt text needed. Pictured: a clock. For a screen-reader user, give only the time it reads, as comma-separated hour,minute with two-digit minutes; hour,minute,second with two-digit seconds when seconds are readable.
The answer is 7,46
